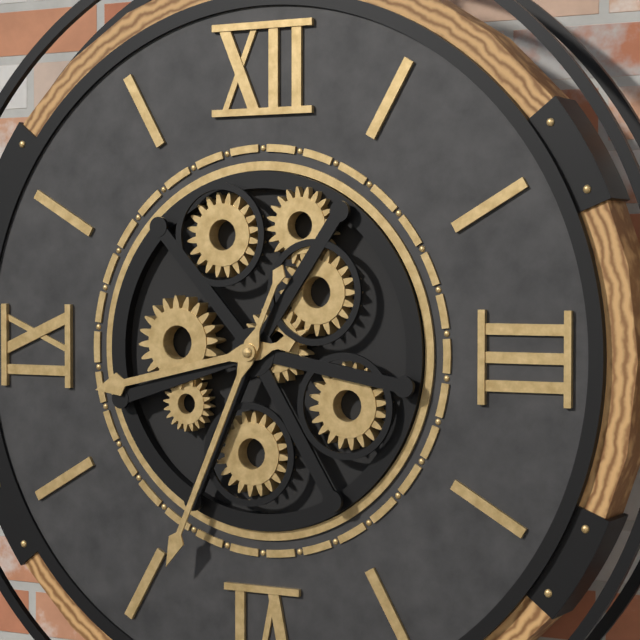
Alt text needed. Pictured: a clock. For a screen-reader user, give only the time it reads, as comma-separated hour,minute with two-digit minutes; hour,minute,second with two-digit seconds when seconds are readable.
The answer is 8,34
